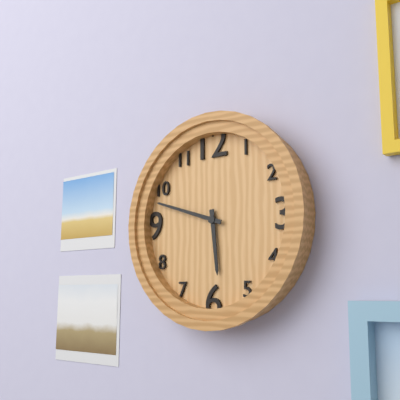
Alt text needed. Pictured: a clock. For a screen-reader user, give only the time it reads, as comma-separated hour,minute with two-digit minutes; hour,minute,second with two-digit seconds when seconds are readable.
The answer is 5,48
